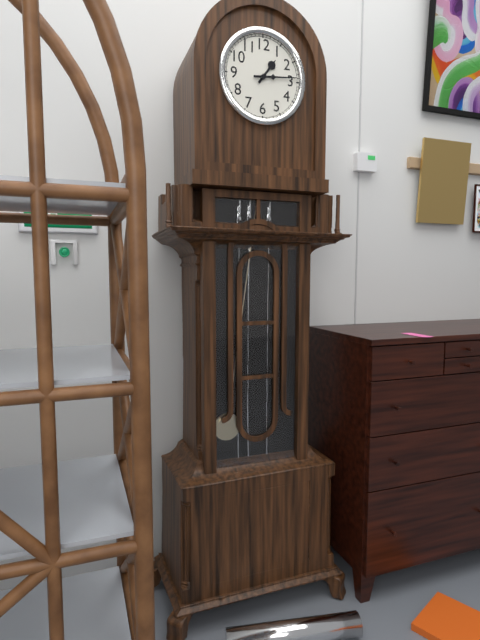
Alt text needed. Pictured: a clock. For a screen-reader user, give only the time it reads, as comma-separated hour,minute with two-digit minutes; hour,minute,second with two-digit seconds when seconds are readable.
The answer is 1,14
